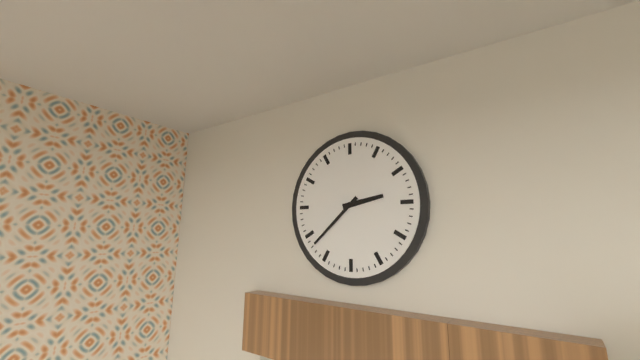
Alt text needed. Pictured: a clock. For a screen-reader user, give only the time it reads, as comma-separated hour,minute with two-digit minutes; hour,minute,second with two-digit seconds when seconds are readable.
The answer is 2,38
